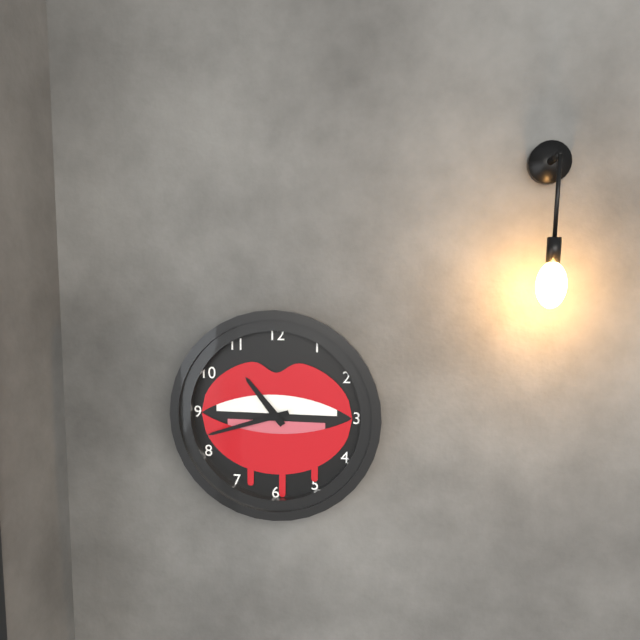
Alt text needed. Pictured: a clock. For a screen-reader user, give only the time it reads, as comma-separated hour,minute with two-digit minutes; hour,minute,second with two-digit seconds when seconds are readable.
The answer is 10,42
